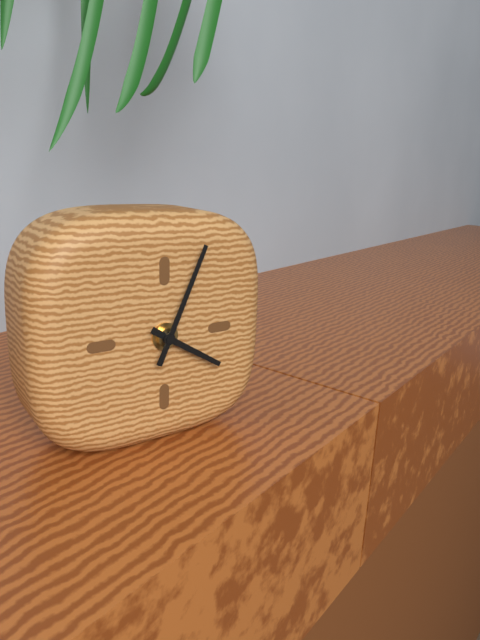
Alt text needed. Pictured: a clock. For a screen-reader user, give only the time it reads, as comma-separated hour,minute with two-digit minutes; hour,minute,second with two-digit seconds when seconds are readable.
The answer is 4,04
